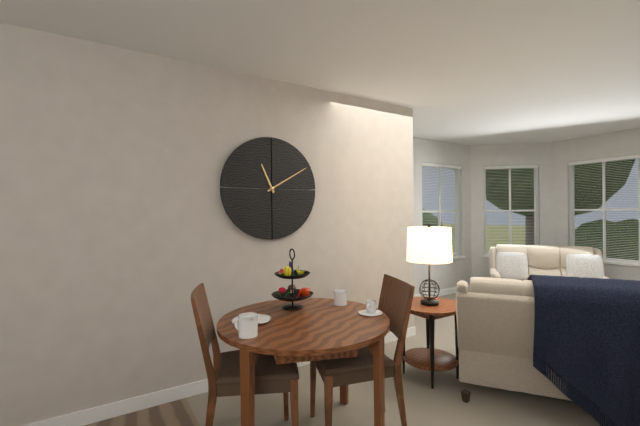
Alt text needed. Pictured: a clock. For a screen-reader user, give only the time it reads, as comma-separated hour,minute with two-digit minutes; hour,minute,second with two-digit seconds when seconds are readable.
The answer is 11,10
